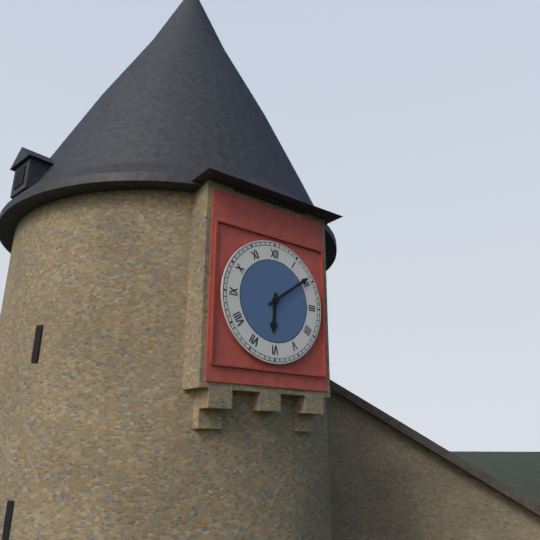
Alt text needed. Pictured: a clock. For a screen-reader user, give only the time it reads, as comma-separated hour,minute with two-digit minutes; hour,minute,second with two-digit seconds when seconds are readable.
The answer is 6,09
